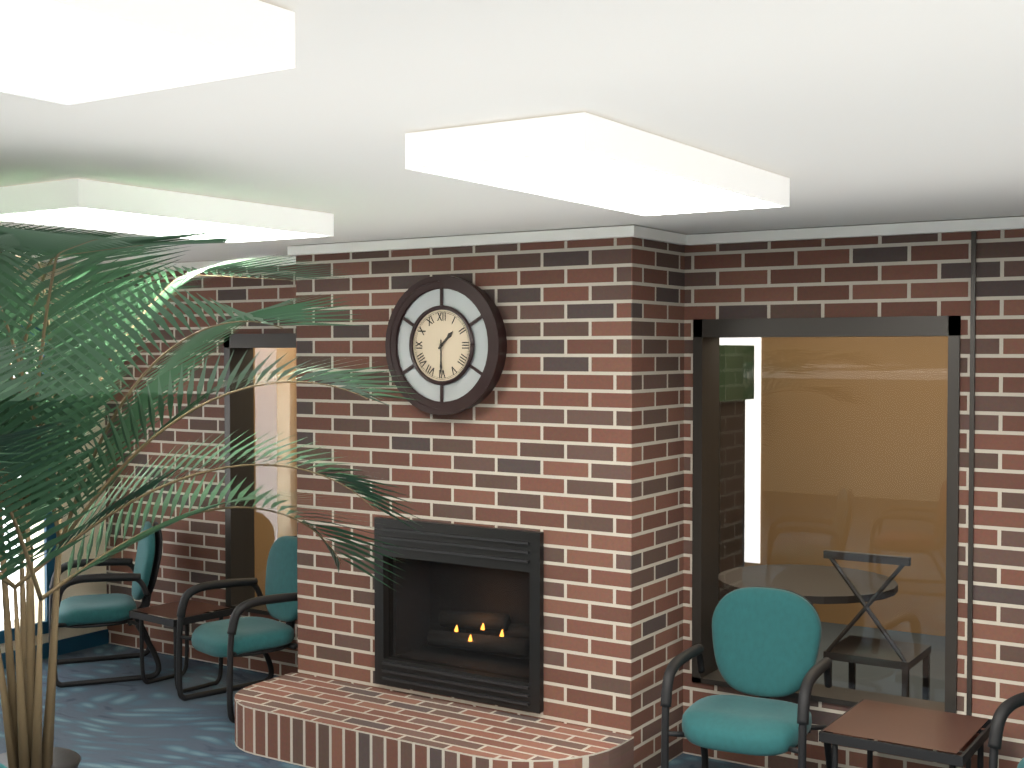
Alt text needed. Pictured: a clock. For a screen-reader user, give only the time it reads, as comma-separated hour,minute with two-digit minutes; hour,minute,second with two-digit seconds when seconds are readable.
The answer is 1,30
